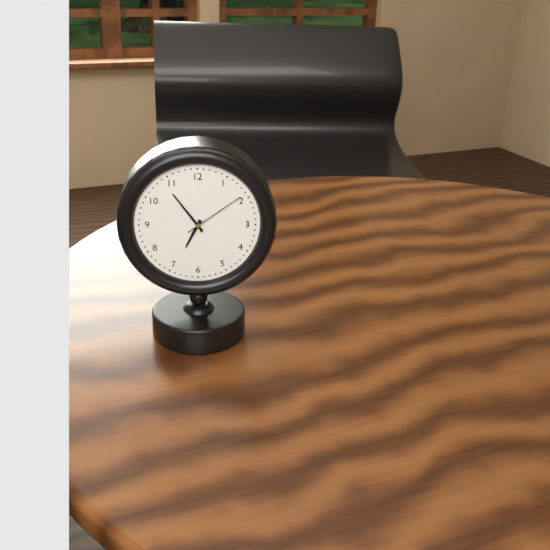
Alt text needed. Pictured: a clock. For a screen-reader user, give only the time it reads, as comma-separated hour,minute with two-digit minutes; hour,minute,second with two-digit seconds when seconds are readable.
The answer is 6,54,09
